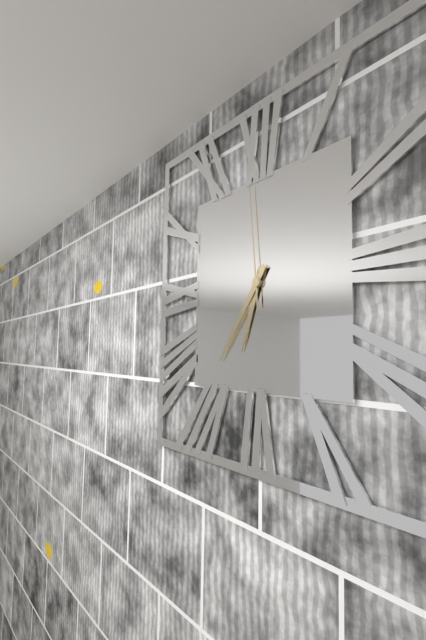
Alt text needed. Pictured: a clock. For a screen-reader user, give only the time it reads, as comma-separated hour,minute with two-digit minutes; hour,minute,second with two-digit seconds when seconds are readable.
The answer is 6,36,59
